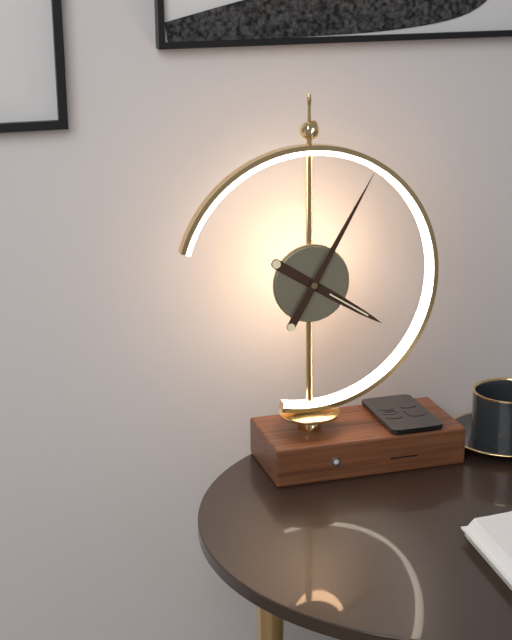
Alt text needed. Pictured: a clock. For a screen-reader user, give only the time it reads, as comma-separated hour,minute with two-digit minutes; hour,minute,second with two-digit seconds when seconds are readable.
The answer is 4,05
